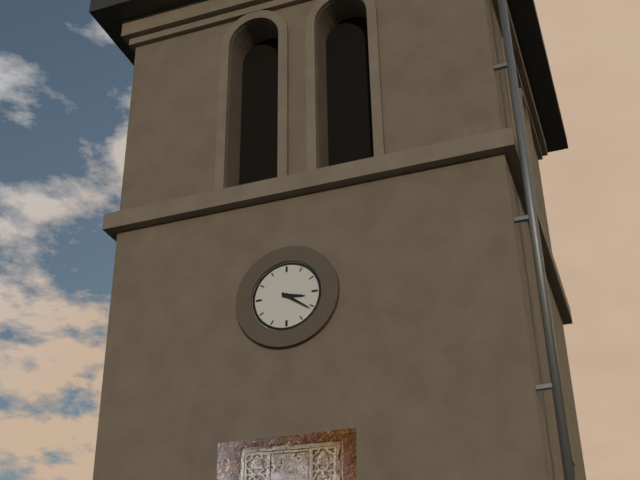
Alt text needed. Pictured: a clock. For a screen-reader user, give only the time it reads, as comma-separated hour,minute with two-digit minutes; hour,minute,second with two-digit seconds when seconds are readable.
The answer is 3,21
